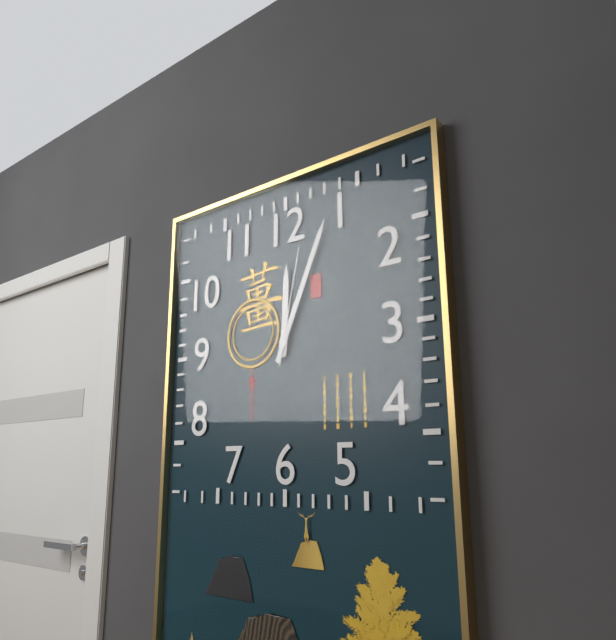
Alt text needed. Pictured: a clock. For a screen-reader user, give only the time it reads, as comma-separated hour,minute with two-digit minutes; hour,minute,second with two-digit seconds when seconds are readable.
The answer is 12,04,02
